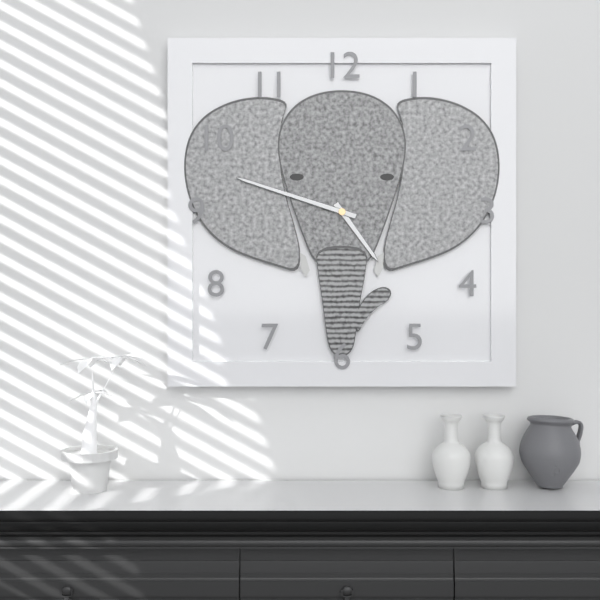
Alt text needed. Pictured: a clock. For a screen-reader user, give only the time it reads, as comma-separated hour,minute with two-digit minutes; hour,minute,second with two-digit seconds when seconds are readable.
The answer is 4,48
